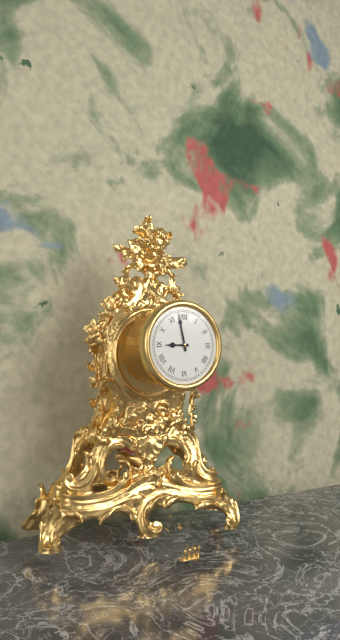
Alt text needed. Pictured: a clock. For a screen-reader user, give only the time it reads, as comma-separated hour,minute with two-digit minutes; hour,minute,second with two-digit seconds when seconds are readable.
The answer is 8,58
